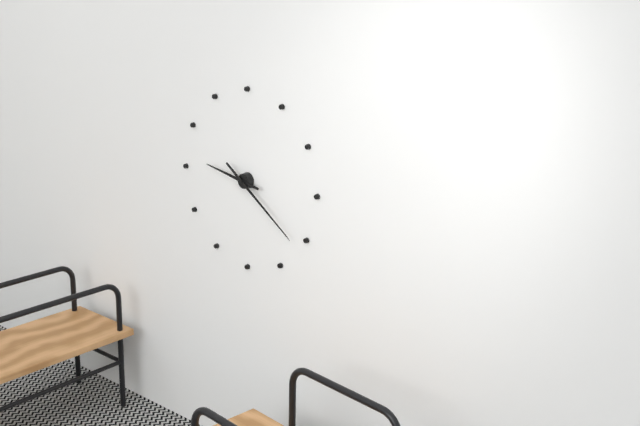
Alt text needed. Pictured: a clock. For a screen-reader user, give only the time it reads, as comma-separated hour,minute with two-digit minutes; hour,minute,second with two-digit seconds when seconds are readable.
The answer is 9,21
